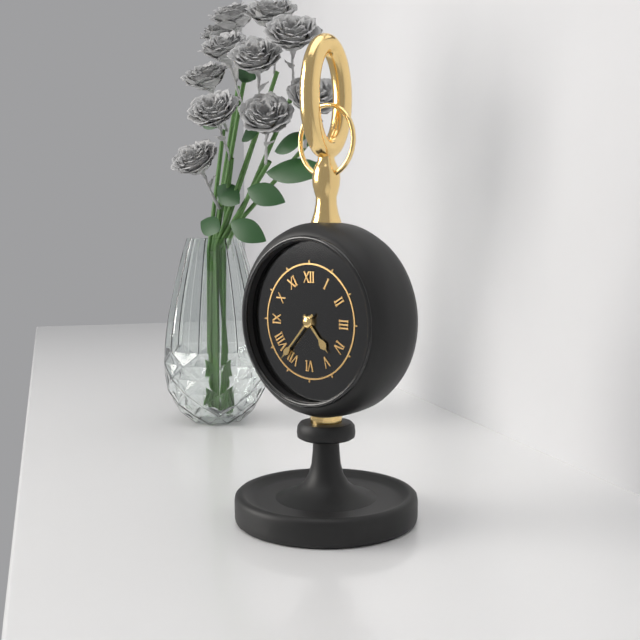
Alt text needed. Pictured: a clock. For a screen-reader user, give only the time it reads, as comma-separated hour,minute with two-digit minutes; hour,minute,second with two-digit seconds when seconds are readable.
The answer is 4,37
